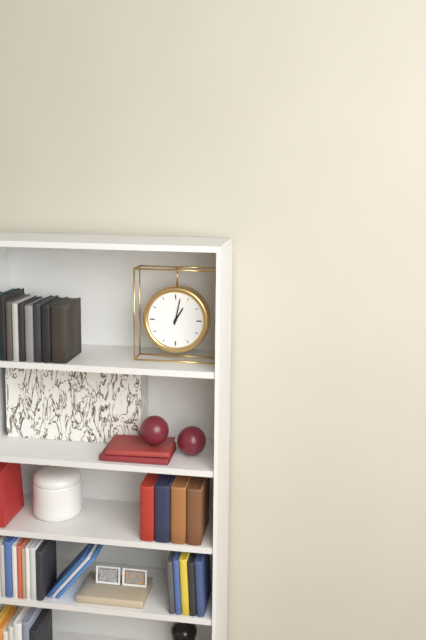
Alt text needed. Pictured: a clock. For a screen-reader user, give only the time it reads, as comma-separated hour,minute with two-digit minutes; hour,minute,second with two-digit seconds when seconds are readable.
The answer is 1,02
